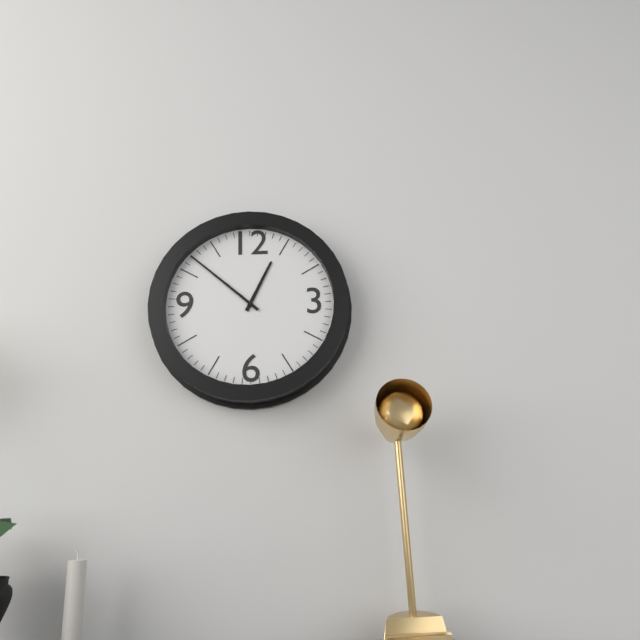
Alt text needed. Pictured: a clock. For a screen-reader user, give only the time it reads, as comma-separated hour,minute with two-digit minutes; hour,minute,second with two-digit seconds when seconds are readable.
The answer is 12,52
